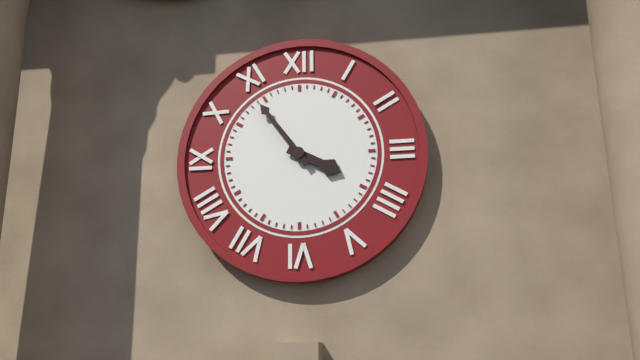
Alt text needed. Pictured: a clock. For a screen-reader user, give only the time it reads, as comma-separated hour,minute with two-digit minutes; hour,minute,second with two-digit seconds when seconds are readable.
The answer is 3,54
